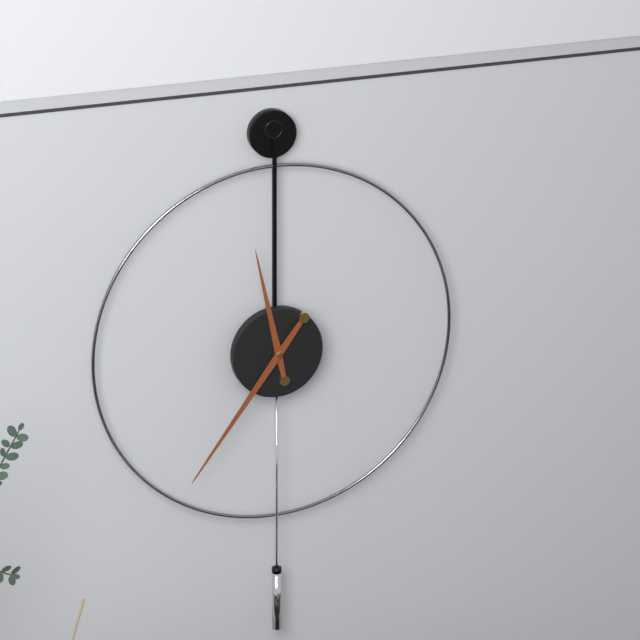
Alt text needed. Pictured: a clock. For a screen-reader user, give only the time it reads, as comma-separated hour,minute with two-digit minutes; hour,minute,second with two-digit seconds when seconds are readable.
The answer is 11,36
